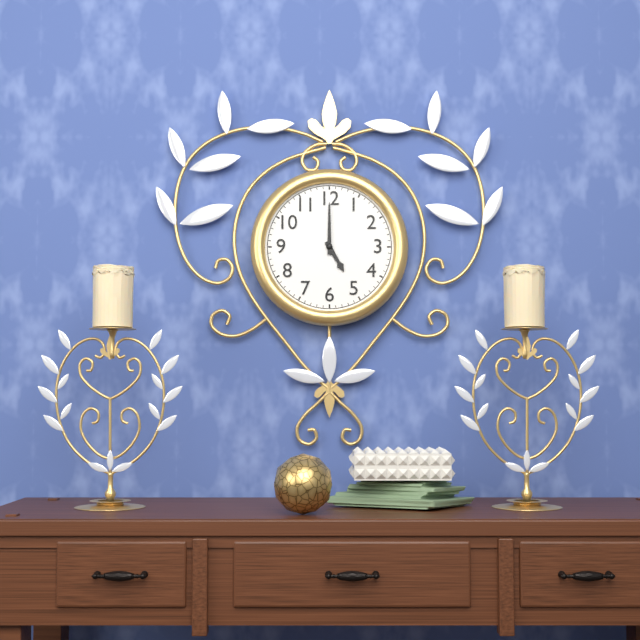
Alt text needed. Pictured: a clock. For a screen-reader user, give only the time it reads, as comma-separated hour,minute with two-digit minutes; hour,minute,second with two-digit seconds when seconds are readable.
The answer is 5,00
